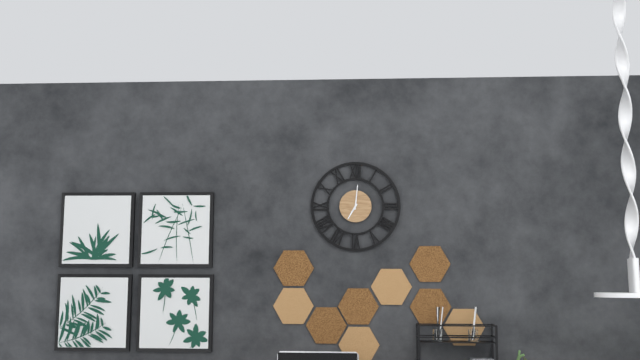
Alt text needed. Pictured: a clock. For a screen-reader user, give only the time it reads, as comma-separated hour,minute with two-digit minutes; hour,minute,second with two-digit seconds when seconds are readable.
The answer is 7,01
